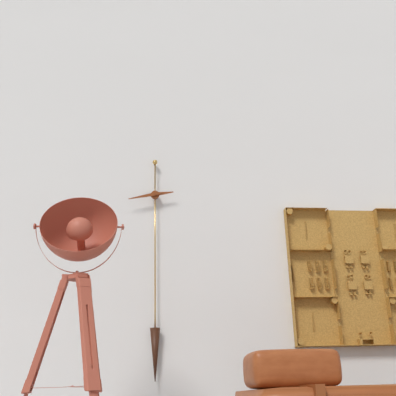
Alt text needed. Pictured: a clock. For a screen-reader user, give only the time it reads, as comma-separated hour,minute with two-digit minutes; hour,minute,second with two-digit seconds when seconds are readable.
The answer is 2,43
